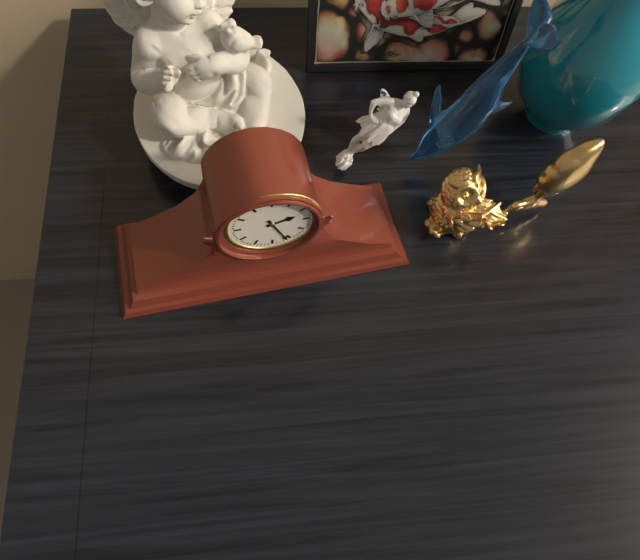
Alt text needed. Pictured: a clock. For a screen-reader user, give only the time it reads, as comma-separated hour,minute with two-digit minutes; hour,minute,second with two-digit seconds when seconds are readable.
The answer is 2,26
